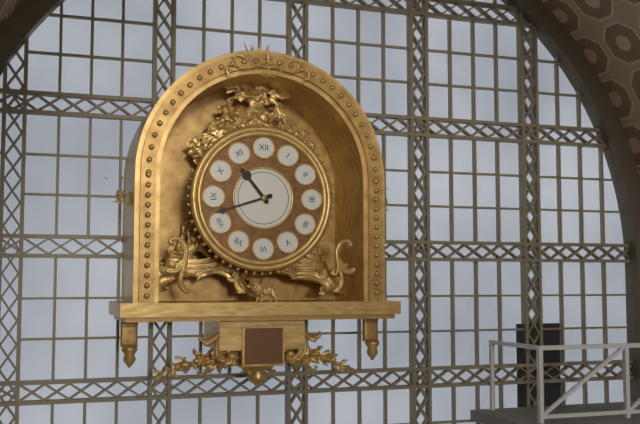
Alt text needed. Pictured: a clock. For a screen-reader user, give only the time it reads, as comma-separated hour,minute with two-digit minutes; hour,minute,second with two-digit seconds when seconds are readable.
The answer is 10,42
